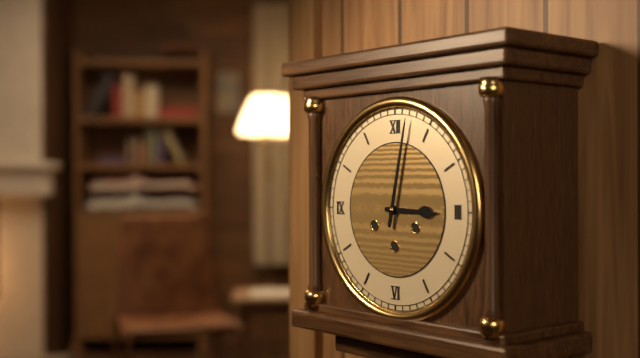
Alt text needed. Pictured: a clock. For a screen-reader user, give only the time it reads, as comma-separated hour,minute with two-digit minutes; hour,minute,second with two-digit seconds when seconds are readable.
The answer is 3,02
